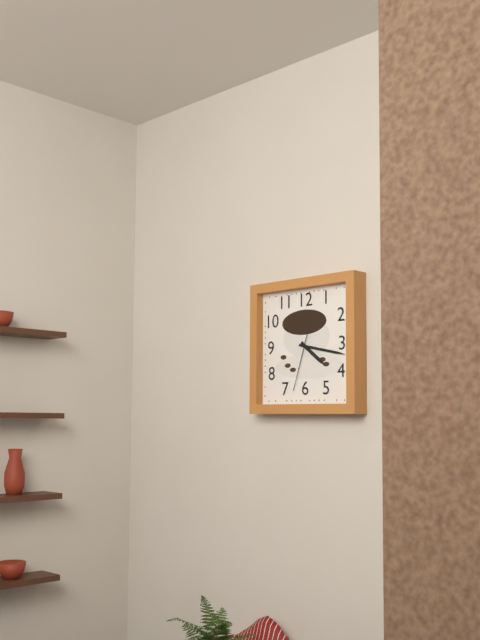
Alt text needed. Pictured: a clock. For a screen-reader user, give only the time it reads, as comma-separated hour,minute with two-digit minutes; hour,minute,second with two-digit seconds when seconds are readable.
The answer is 4,17,33
